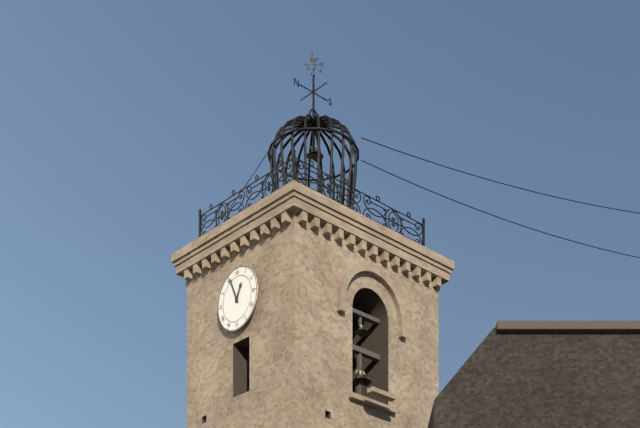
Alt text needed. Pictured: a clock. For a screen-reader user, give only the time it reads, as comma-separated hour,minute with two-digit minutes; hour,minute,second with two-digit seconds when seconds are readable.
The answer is 12,56
